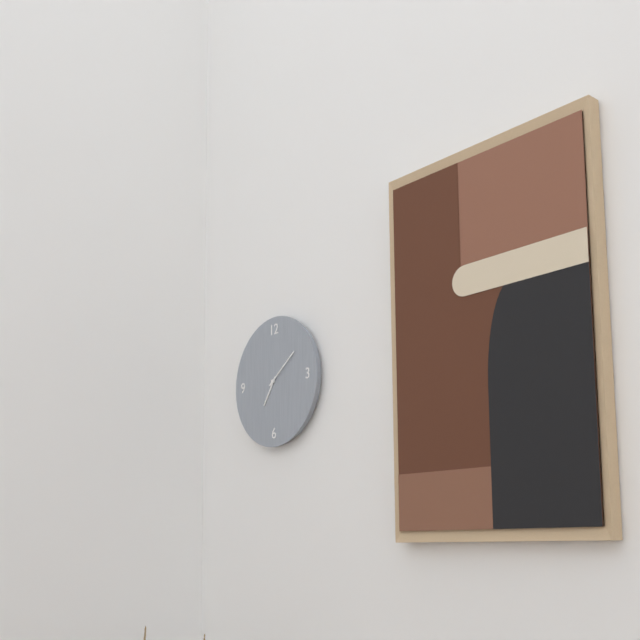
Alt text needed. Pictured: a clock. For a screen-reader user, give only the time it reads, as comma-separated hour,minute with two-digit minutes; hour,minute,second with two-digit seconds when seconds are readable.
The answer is 7,09
